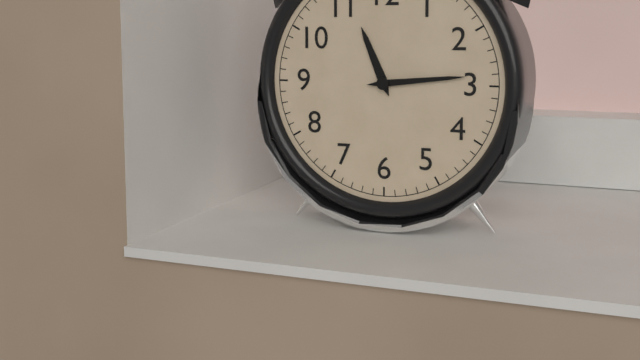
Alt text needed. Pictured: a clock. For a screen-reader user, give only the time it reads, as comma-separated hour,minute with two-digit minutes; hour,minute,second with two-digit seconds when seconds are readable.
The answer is 11,14
